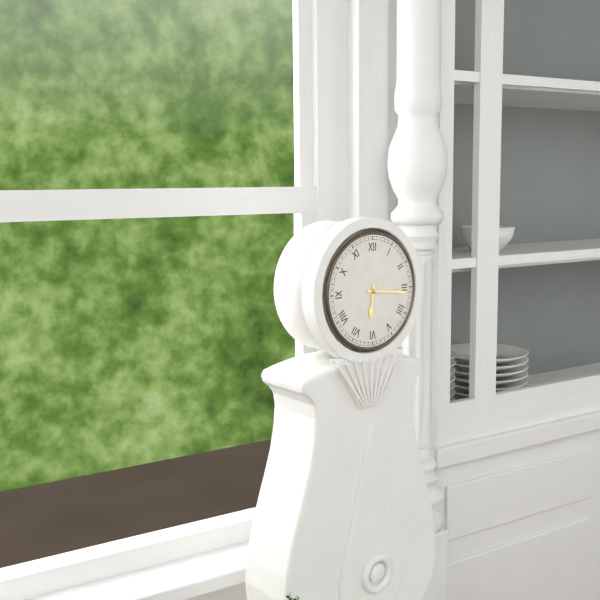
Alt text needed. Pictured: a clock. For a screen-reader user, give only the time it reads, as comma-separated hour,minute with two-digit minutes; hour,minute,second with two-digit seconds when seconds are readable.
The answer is 6,16
